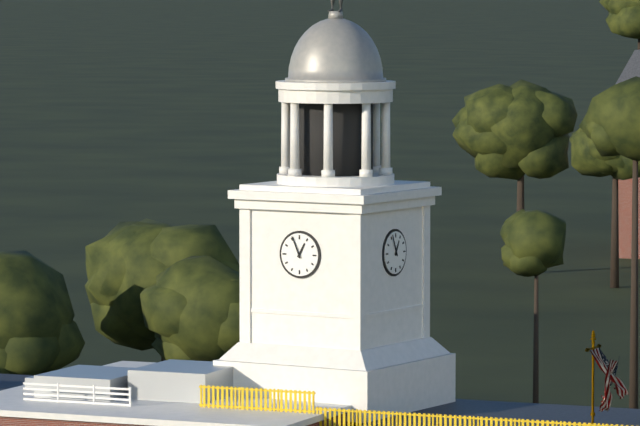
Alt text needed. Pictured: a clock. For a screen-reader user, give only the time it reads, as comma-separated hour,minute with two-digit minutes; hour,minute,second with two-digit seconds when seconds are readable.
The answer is 12,56
